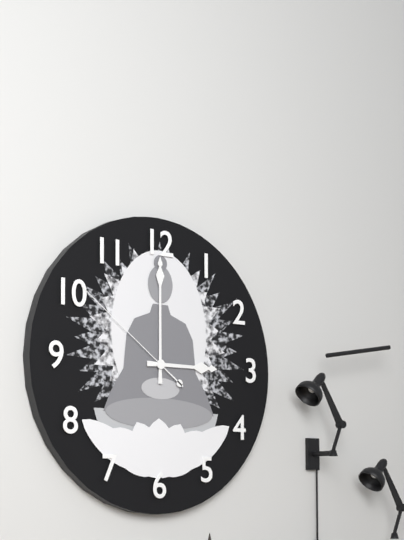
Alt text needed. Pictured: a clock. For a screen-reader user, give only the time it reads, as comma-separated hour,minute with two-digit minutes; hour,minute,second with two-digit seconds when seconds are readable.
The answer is 3,00,51
